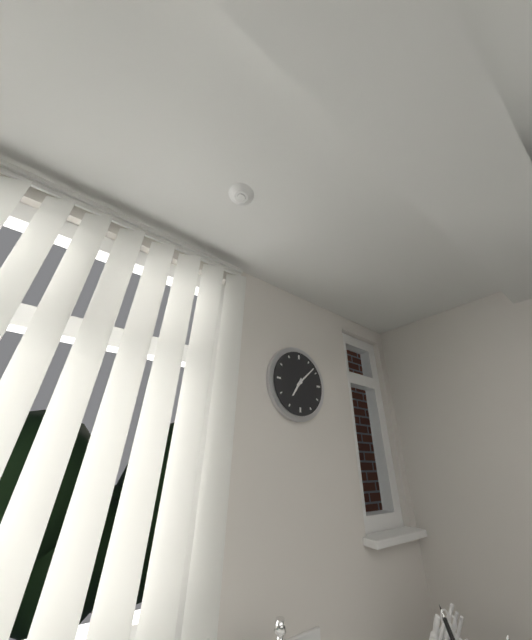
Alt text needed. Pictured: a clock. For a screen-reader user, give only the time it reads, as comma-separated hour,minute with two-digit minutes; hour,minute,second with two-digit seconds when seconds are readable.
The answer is 7,08
